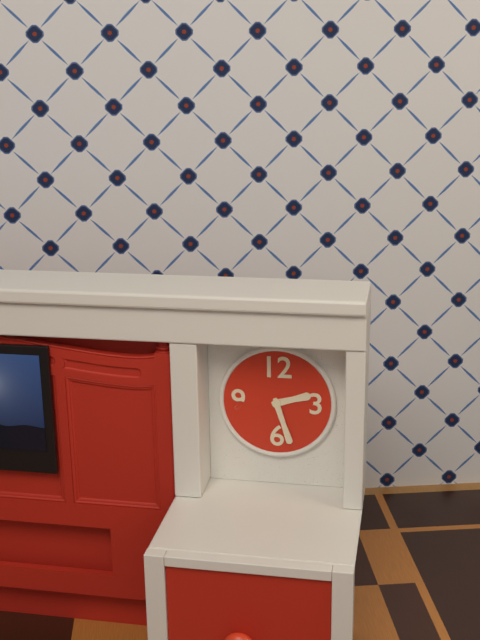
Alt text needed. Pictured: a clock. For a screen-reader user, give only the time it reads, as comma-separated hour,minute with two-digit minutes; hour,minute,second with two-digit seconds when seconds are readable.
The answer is 2,27
